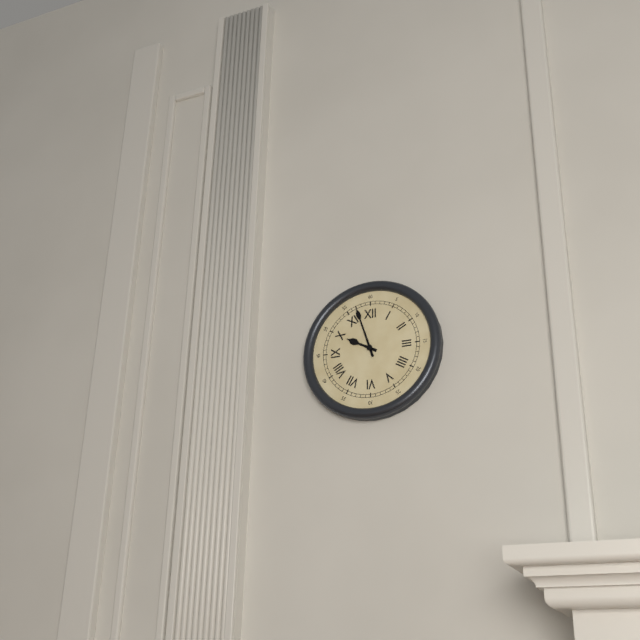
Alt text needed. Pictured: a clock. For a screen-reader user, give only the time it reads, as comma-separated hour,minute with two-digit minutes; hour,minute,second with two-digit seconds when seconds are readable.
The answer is 9,57
